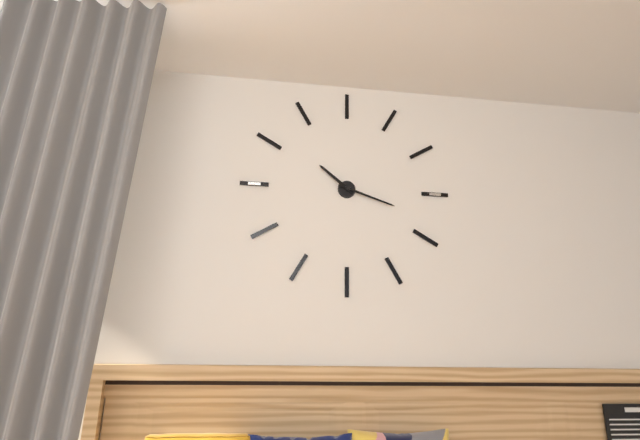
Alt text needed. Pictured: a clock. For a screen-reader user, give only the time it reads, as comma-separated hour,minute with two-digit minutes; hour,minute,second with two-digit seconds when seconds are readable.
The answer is 10,18
